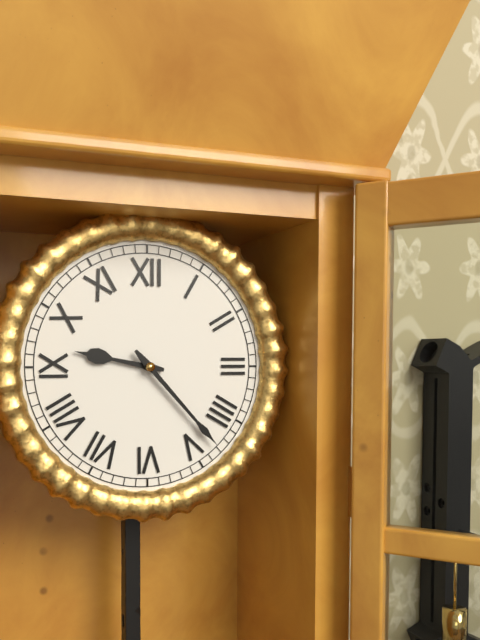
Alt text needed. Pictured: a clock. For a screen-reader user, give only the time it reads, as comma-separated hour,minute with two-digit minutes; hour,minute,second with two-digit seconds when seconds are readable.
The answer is 9,23
